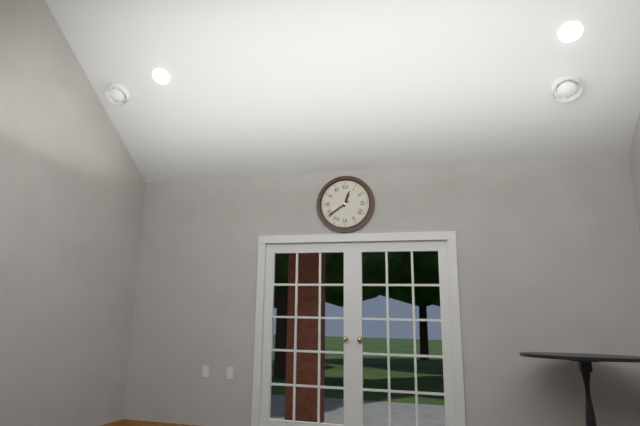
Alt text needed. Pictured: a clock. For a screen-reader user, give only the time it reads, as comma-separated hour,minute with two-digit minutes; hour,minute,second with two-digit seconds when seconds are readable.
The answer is 12,39
